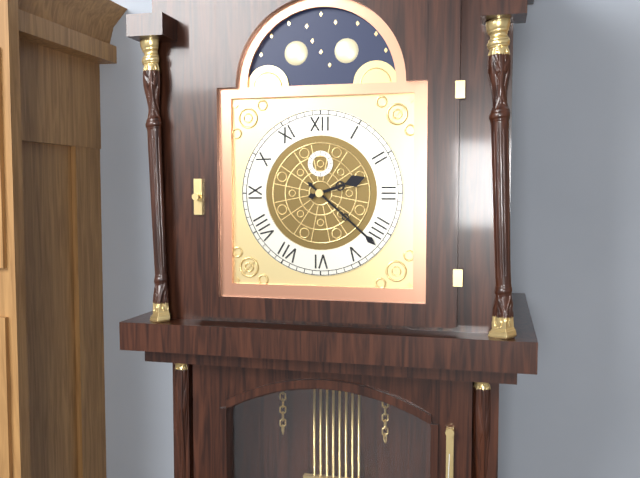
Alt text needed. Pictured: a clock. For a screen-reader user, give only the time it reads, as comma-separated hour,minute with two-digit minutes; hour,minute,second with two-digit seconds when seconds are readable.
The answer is 2,22
